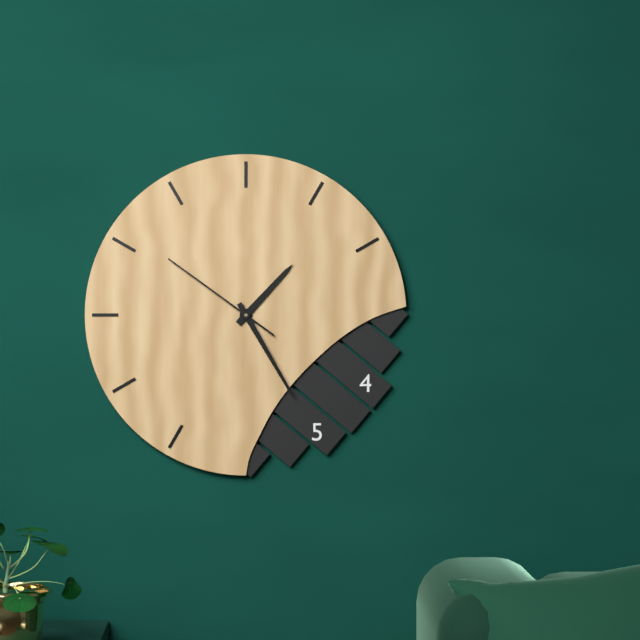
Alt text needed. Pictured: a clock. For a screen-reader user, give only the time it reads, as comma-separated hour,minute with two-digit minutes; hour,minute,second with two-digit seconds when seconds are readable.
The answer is 1,25,51
